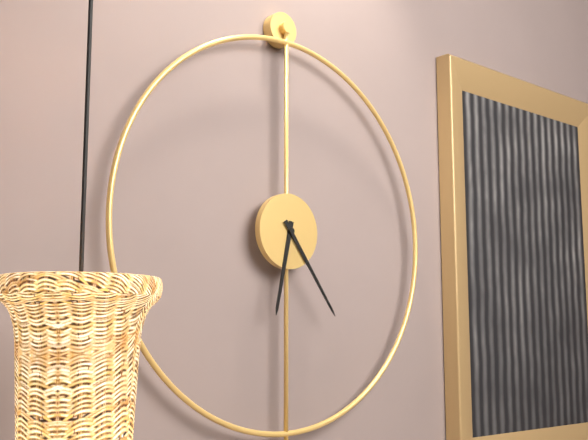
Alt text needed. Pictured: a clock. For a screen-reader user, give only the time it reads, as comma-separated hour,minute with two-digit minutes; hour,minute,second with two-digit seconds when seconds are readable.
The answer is 6,24
